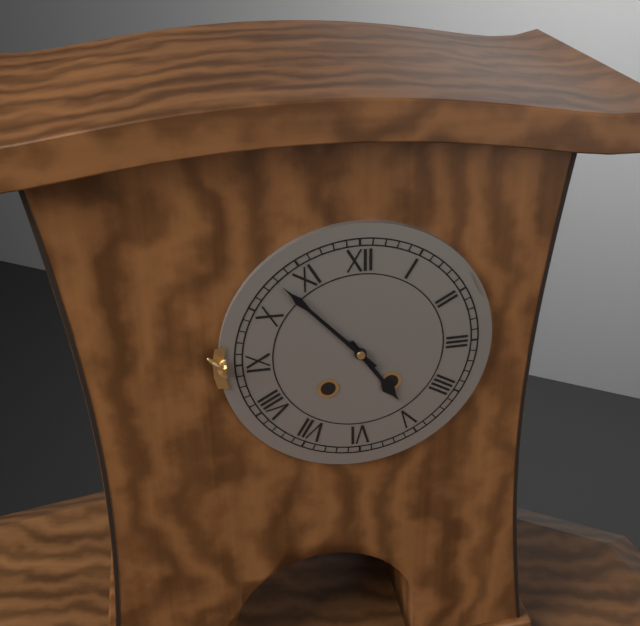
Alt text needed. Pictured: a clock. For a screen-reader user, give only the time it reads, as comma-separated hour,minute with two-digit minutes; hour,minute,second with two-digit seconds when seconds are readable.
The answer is 4,53
